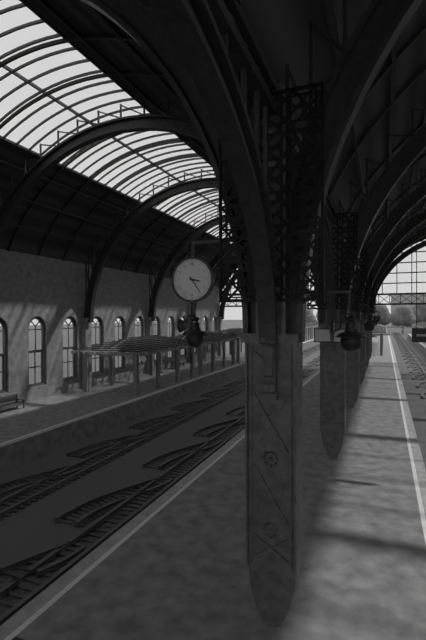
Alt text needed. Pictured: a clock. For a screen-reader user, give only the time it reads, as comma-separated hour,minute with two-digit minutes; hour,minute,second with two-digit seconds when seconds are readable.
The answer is 3,24
